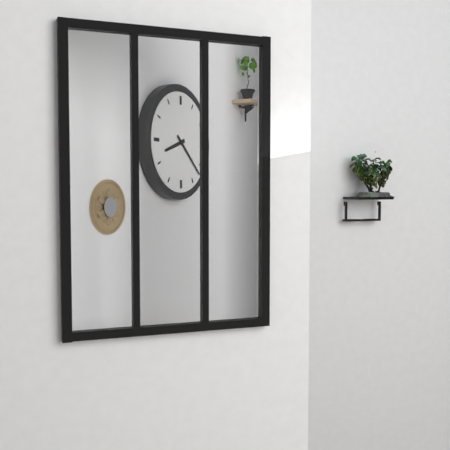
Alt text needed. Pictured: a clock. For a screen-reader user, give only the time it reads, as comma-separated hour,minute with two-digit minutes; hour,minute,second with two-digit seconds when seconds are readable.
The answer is 8,22
